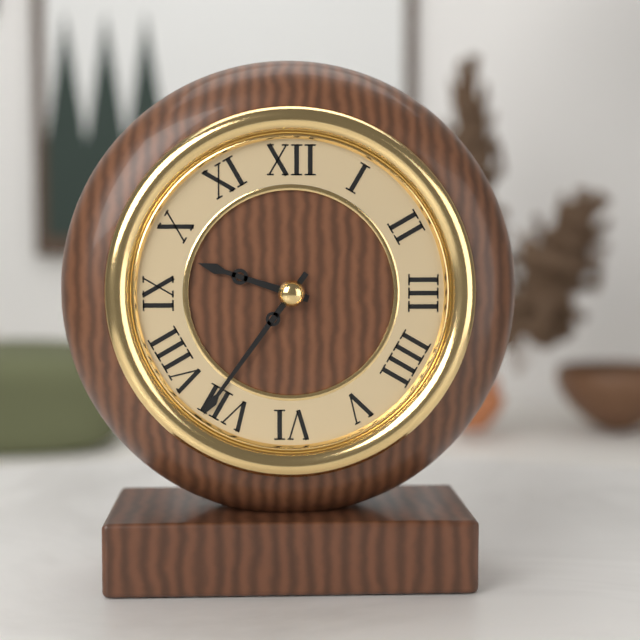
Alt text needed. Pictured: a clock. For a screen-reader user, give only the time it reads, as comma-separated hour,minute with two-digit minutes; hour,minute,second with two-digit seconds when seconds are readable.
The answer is 9,36
